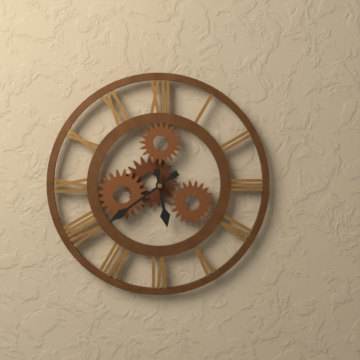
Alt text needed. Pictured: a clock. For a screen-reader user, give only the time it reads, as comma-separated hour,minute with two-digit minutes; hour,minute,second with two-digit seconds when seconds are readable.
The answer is 5,39
